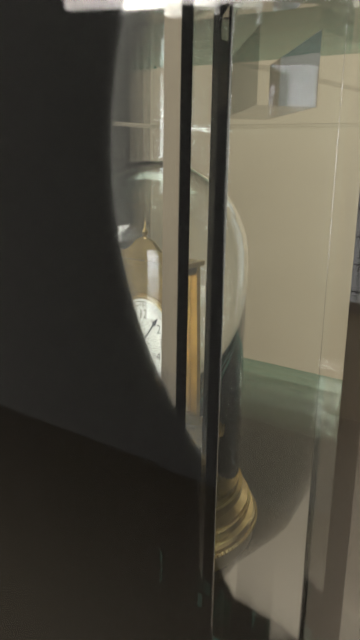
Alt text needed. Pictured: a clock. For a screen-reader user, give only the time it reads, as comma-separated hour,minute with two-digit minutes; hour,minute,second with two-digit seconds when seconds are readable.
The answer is 6,07
